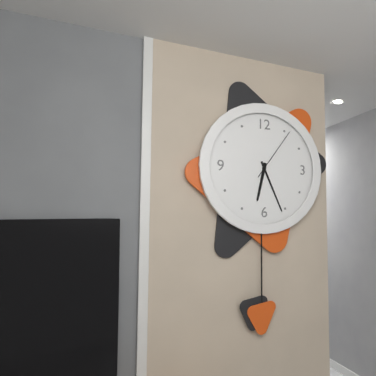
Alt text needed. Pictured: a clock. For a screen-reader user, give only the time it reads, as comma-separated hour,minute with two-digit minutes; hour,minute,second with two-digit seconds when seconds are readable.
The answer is 6,26,06
